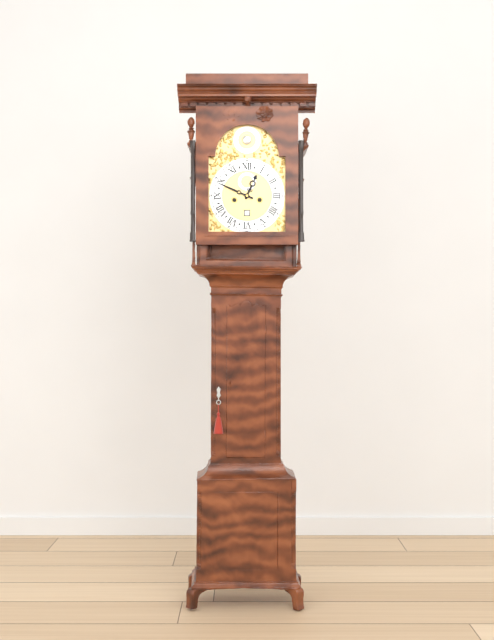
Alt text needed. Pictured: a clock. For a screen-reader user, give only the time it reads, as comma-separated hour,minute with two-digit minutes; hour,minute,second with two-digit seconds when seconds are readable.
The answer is 12,49
